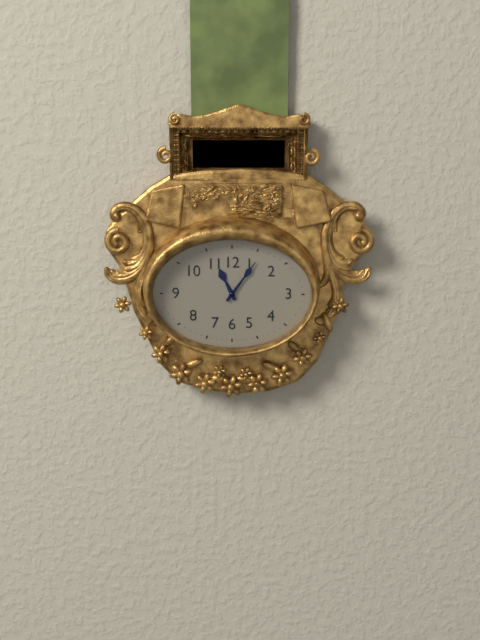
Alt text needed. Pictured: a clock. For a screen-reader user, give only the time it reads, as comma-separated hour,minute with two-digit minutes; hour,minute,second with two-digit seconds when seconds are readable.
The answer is 11,06
